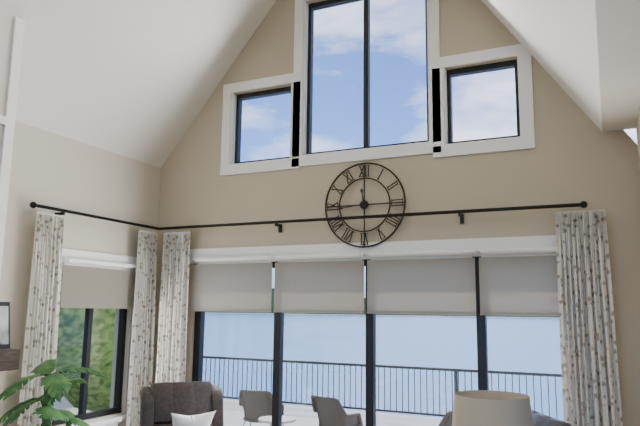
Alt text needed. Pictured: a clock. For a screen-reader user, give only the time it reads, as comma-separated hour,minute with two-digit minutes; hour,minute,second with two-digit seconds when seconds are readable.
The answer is 11,44
